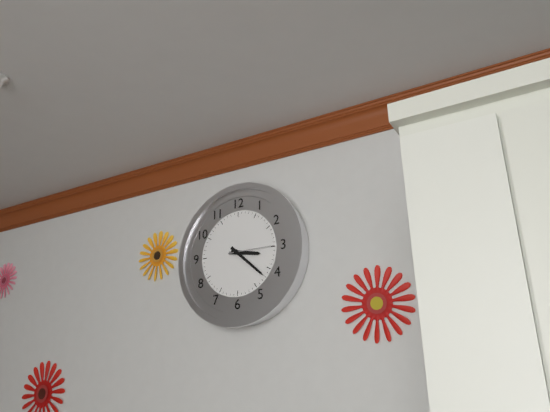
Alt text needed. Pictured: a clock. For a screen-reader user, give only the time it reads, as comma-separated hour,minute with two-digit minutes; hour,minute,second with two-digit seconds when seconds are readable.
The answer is 3,22
